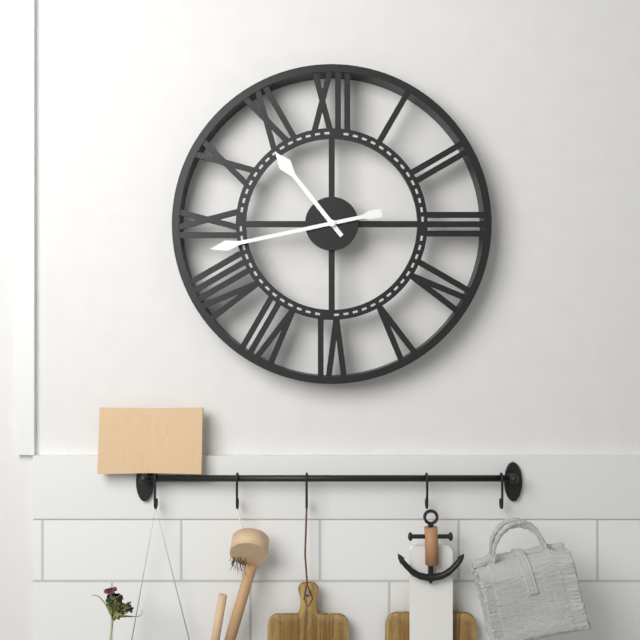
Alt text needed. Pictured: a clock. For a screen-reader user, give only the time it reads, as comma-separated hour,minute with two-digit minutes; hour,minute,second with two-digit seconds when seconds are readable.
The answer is 10,43
